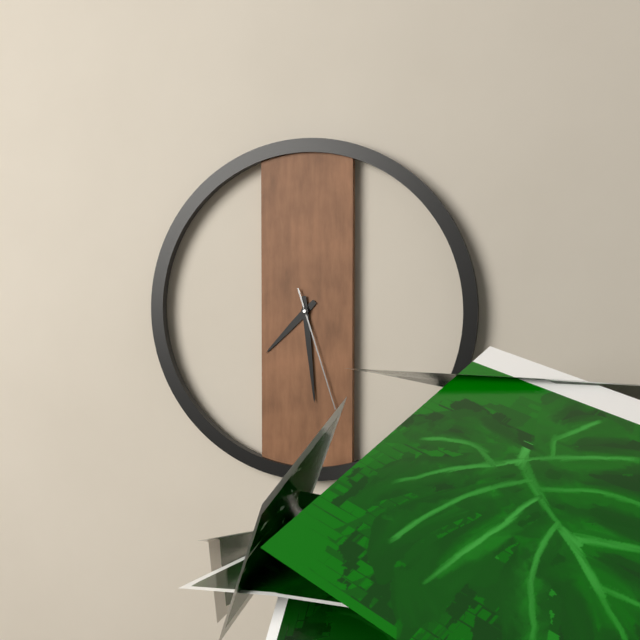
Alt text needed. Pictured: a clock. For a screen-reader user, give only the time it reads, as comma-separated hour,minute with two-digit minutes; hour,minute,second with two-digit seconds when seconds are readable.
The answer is 7,29,27
